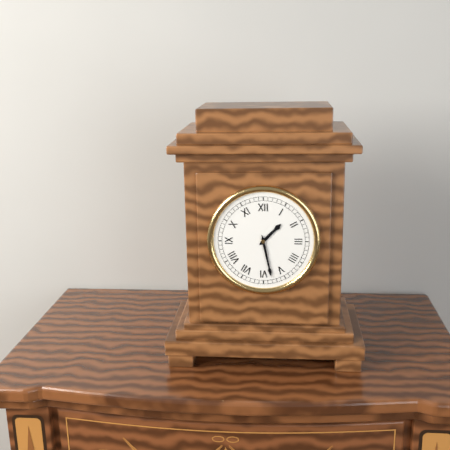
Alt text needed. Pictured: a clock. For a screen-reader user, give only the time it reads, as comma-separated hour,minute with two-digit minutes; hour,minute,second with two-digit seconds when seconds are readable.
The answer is 1,28
